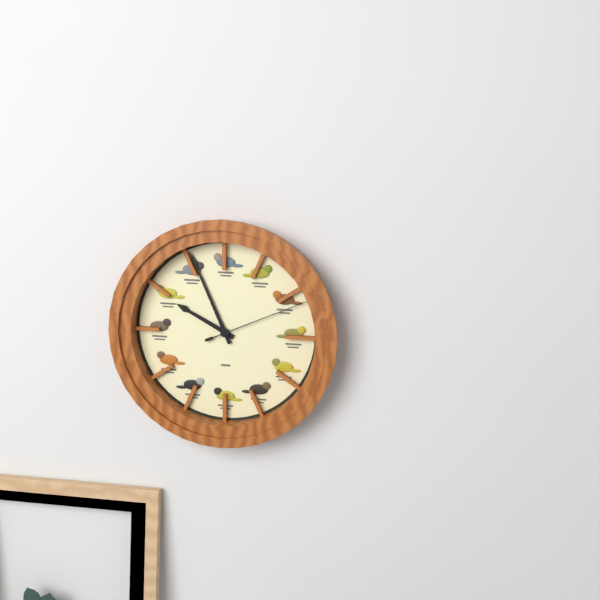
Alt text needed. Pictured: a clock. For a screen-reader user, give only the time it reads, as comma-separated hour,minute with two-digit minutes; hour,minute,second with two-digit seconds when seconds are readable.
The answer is 9,56,11
